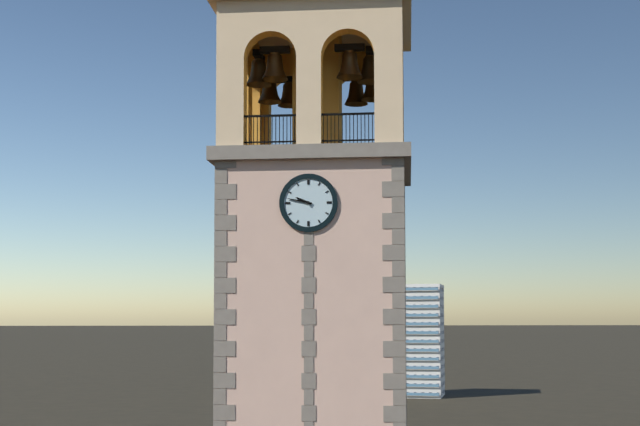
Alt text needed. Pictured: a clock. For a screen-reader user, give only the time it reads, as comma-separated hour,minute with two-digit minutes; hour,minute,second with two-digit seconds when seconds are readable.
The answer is 9,47
